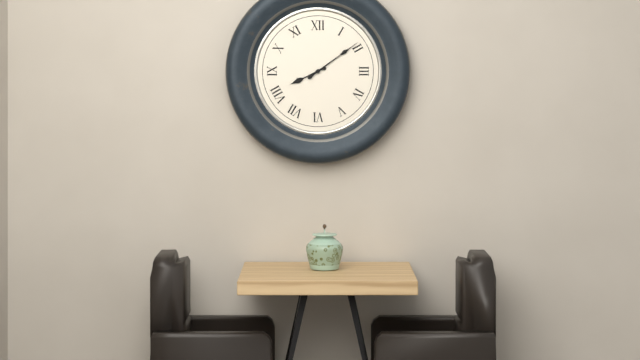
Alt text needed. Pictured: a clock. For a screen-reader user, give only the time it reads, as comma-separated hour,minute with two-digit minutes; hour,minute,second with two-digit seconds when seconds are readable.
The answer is 8,09
